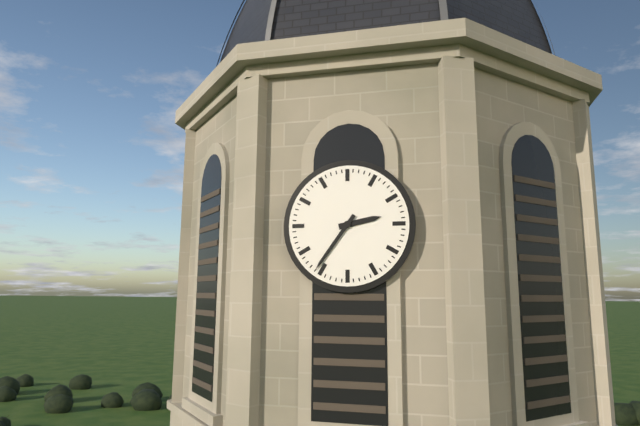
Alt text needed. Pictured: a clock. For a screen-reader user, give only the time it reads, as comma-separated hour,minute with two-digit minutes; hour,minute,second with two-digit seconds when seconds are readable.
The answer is 2,36
